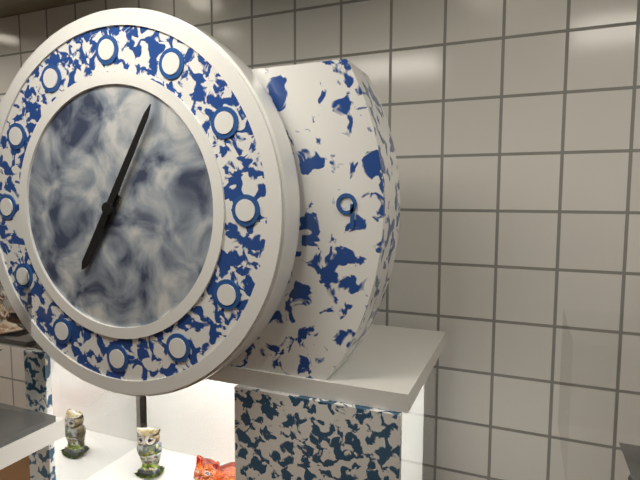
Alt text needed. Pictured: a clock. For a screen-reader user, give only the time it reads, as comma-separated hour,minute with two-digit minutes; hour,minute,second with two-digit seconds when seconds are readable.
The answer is 7,05
